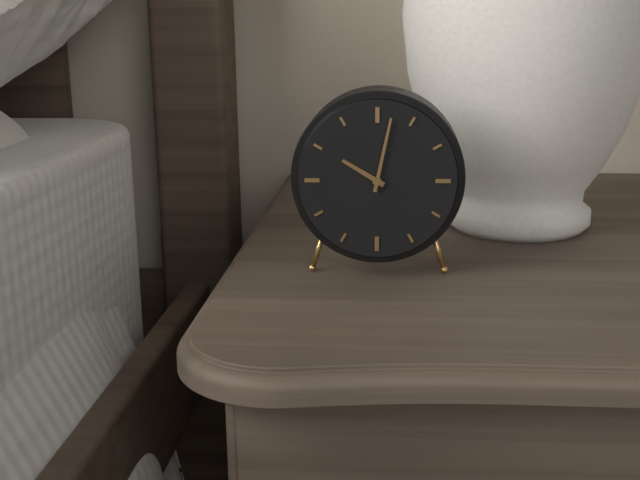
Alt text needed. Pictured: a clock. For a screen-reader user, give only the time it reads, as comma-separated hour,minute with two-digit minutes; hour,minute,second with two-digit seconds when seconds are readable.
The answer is 10,02
